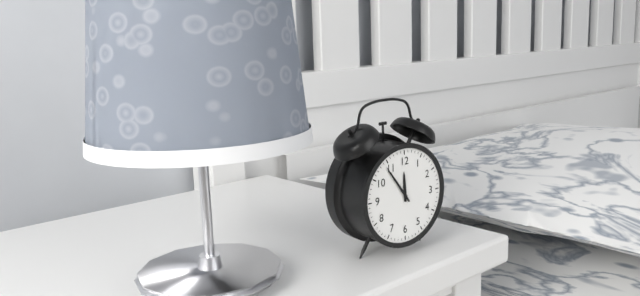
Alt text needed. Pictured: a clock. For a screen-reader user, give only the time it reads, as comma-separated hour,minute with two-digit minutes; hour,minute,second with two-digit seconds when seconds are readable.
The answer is 11,54
